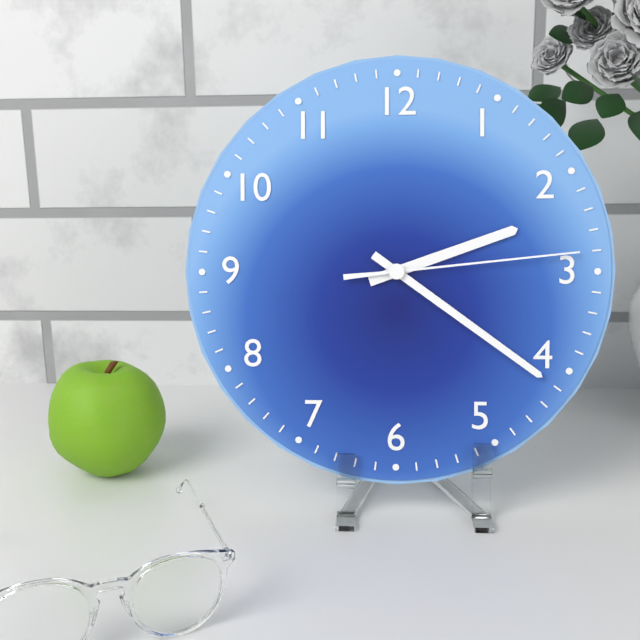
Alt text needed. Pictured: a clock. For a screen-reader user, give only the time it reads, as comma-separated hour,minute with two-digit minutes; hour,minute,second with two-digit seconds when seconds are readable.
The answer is 2,21,14
